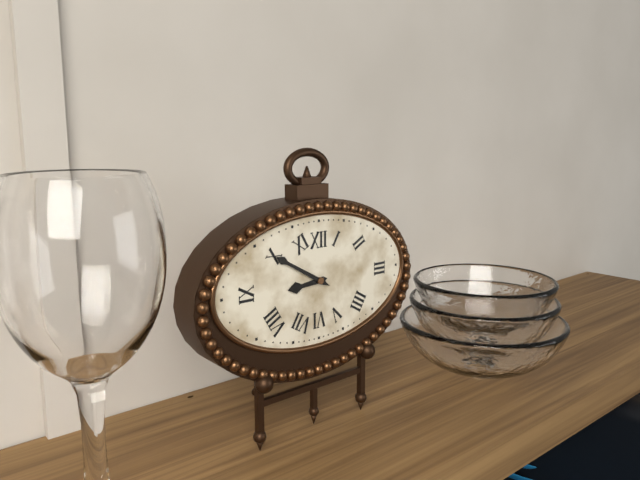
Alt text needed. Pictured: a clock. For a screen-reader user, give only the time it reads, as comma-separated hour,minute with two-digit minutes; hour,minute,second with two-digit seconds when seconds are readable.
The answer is 8,50
